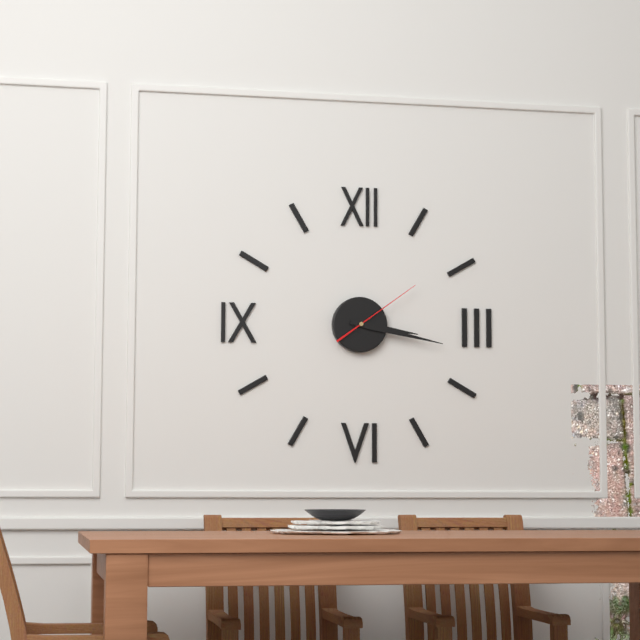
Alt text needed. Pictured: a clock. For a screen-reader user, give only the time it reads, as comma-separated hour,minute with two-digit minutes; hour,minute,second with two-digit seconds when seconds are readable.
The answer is 3,17,09
